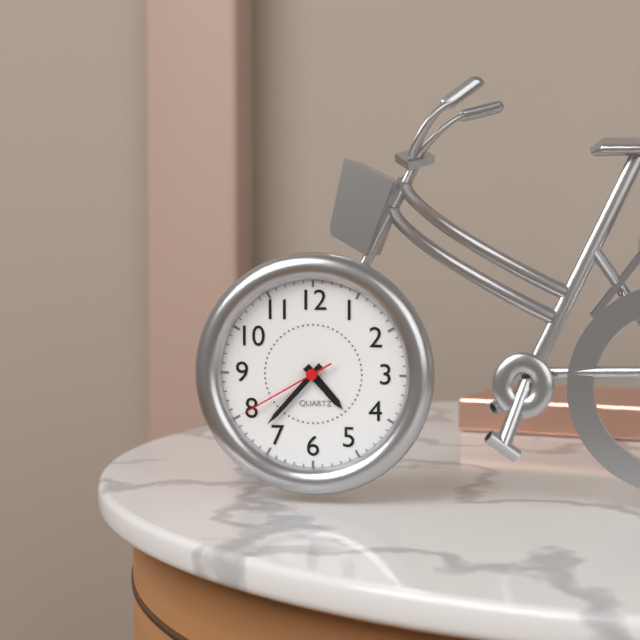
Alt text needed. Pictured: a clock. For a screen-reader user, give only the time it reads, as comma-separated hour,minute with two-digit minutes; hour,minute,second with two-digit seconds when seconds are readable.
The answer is 4,37,40
